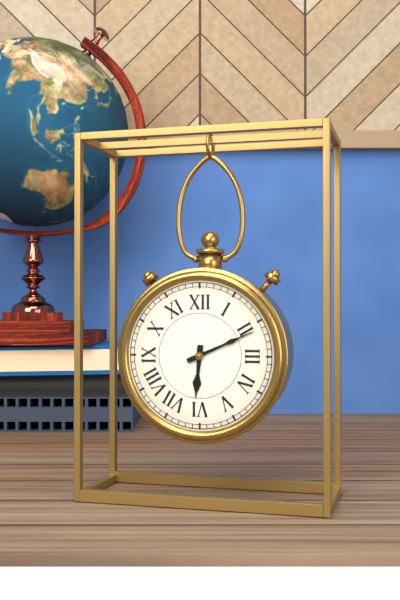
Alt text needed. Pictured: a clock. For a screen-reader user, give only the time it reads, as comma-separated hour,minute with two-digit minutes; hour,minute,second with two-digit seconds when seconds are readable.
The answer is 6,11
